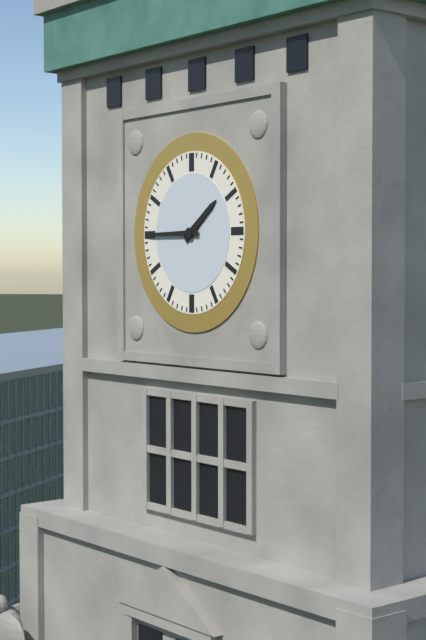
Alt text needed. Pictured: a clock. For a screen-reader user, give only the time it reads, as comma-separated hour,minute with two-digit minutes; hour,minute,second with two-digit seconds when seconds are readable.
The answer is 1,45
